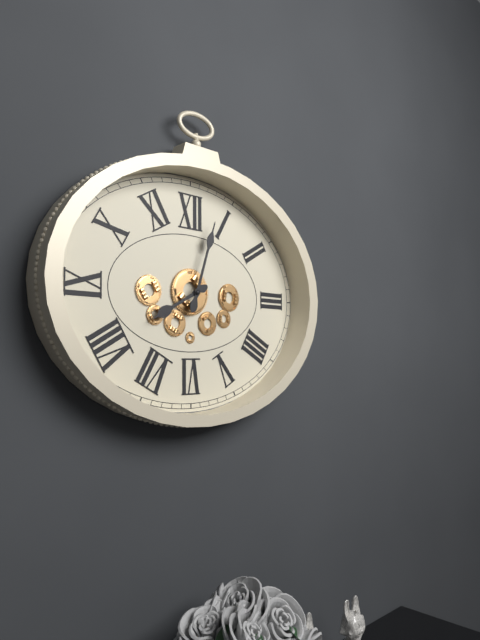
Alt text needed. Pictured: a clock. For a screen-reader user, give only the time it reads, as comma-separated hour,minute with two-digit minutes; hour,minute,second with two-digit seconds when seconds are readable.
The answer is 8,03
